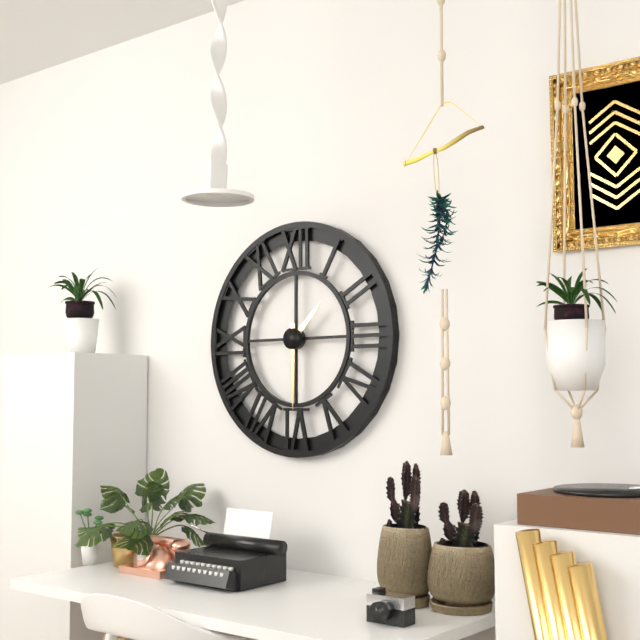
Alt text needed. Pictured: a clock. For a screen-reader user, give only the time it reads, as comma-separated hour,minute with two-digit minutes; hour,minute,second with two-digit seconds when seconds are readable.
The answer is 1,30
